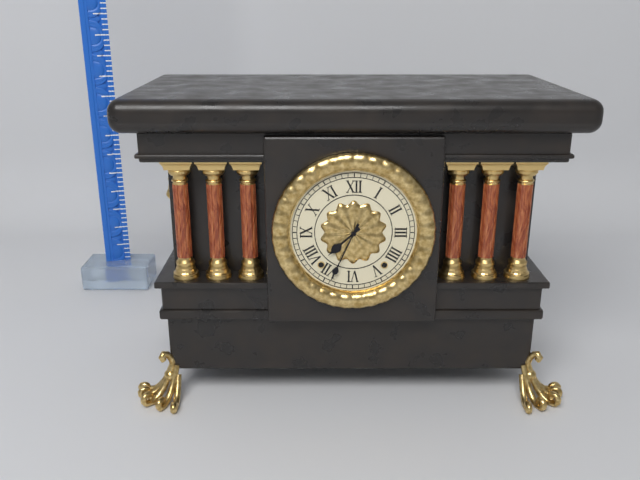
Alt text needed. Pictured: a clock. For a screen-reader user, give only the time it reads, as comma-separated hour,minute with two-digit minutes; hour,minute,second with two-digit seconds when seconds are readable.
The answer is 7,34
